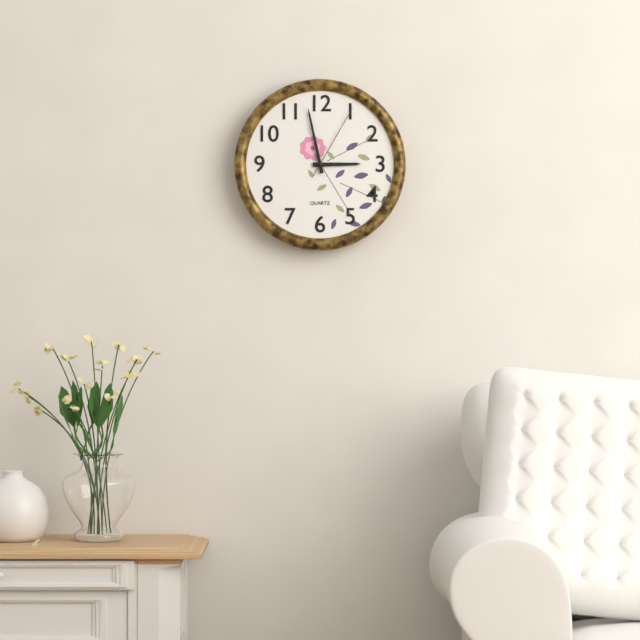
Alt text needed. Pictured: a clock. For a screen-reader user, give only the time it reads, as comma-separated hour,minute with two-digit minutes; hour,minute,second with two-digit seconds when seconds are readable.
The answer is 2,58,05
